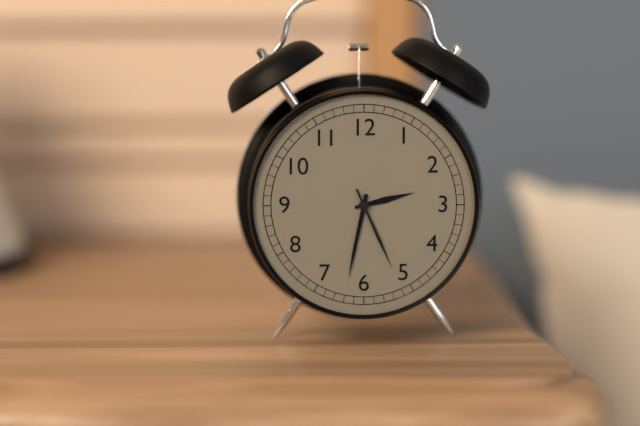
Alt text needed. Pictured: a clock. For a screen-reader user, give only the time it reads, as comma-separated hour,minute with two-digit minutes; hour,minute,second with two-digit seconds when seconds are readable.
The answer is 2,32,26
